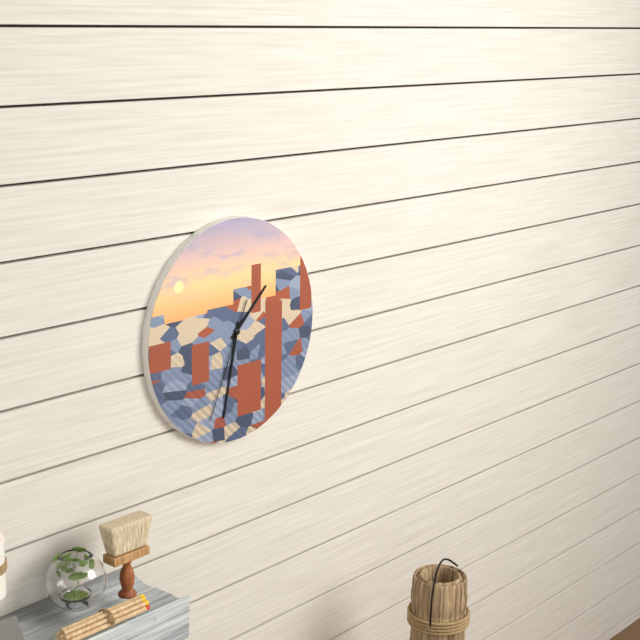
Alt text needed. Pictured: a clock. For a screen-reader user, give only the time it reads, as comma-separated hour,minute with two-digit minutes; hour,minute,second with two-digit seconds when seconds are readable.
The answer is 1,32,34
